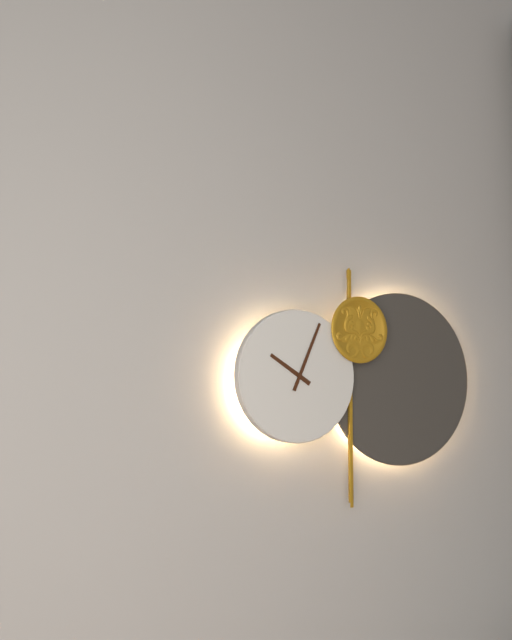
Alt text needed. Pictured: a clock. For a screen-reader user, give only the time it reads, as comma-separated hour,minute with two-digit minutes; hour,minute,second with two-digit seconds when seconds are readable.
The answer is 10,04
